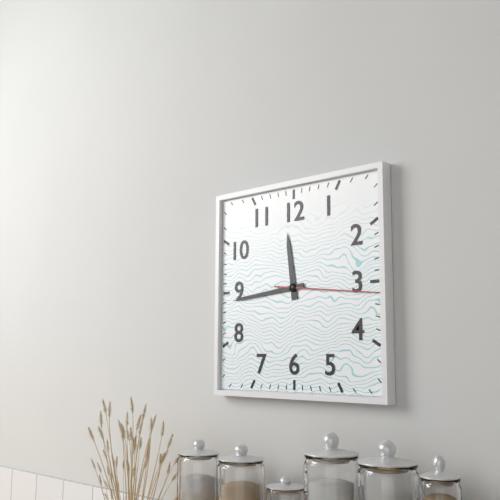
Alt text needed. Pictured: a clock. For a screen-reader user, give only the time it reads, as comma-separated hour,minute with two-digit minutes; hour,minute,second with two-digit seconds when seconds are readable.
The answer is 11,44,16
